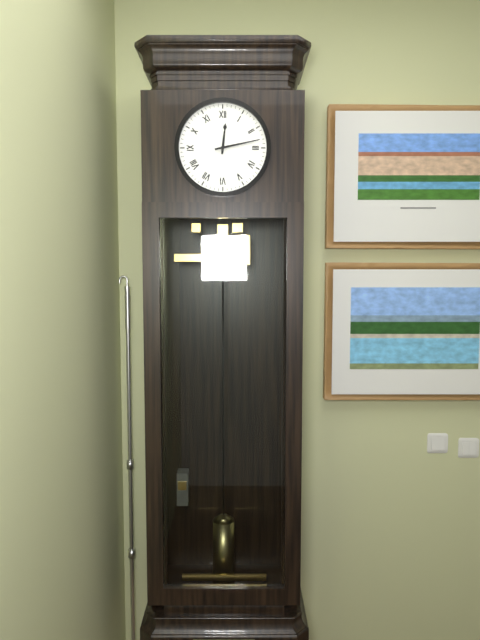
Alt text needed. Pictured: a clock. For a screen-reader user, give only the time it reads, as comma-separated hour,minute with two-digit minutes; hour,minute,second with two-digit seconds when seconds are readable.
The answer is 12,13
